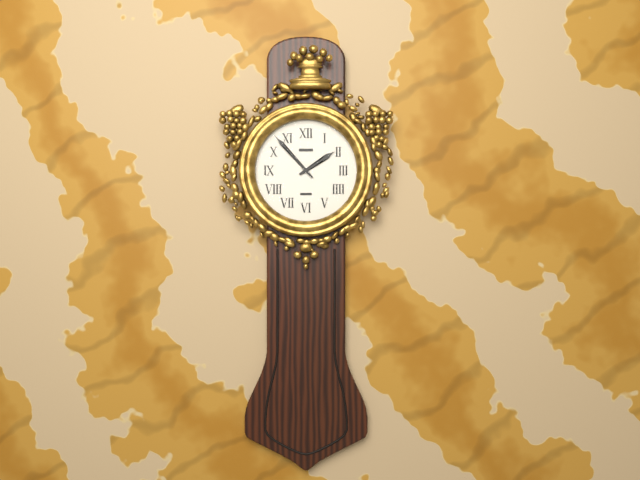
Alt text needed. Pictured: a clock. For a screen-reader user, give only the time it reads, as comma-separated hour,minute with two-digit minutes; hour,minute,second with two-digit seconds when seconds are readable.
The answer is 1,53
